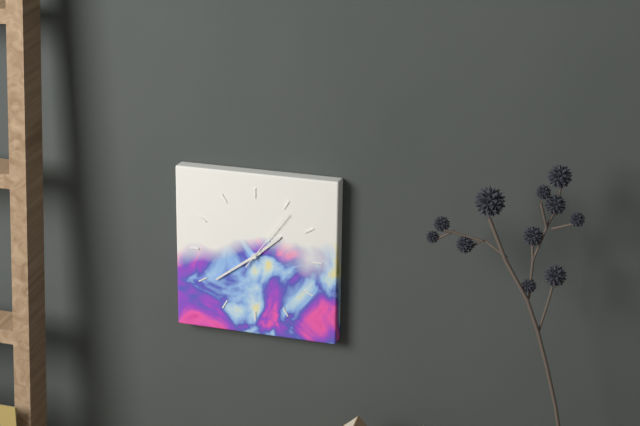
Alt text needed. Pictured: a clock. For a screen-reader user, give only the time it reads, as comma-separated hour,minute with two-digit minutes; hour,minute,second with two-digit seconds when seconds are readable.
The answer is 1,39,06
